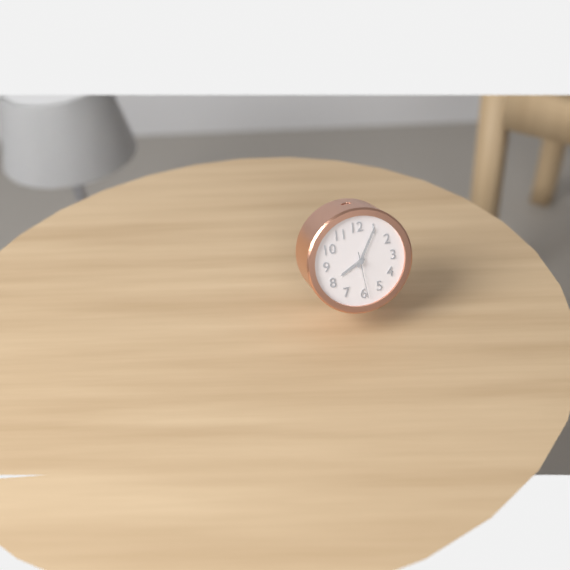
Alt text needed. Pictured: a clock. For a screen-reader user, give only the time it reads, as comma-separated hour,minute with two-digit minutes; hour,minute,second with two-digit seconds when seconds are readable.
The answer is 8,05
